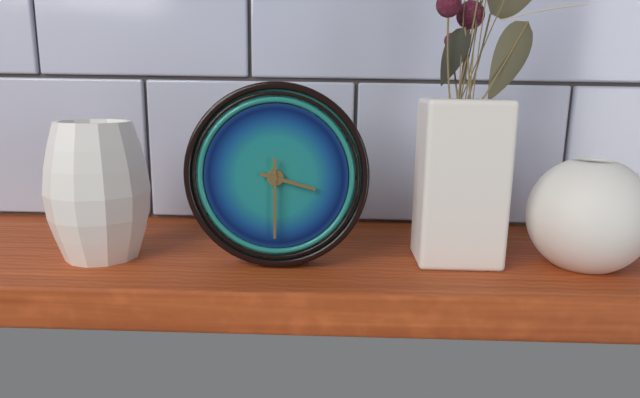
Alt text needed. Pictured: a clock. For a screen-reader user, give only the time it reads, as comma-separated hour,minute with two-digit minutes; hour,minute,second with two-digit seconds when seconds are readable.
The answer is 3,30
